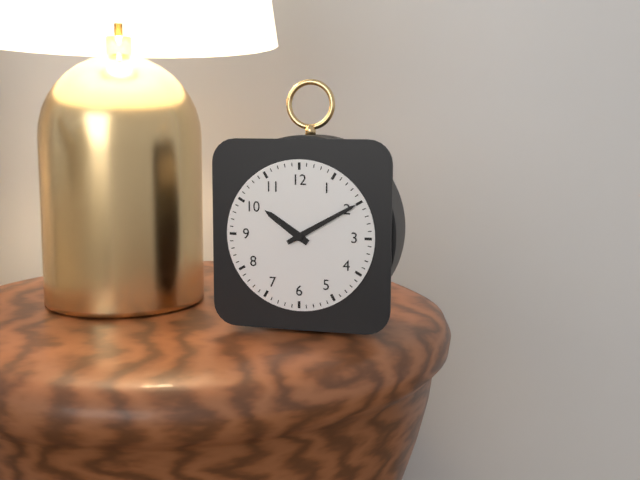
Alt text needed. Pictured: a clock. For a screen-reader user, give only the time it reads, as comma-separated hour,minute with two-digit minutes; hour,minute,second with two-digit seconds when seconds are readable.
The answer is 10,10
